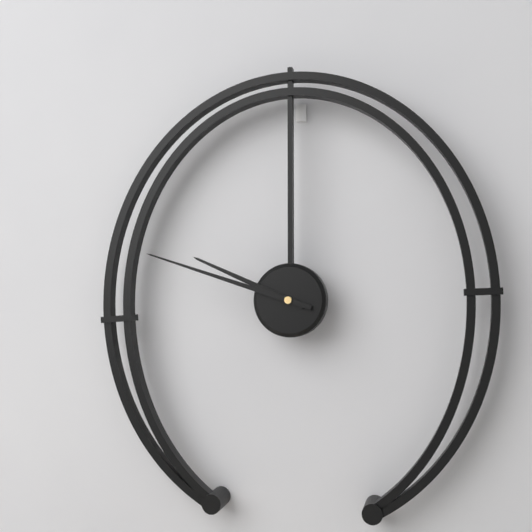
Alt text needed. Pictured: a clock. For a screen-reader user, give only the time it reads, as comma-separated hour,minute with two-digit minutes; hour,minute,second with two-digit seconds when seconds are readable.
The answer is 9,48
